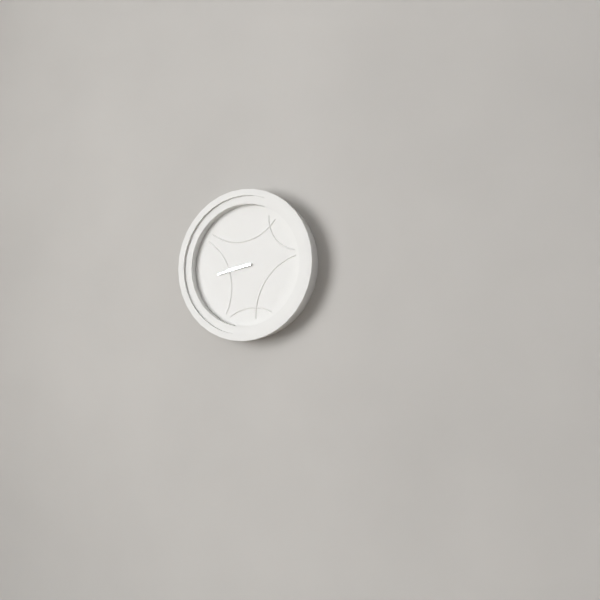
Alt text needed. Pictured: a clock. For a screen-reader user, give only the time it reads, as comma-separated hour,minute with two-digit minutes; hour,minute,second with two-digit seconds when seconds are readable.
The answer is 8,43
